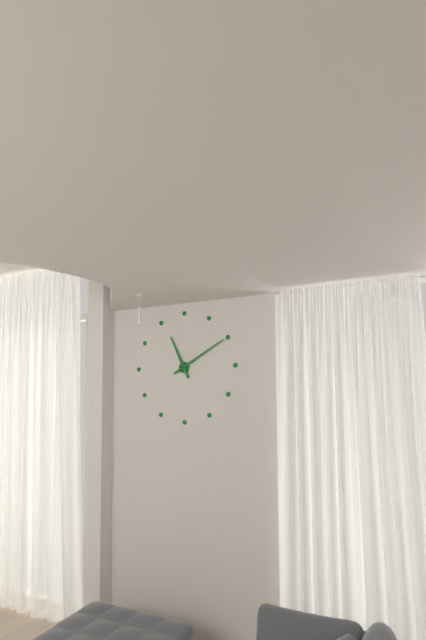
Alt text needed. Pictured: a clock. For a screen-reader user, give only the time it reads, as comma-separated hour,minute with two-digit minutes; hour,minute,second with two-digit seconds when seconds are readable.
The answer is 11,10
